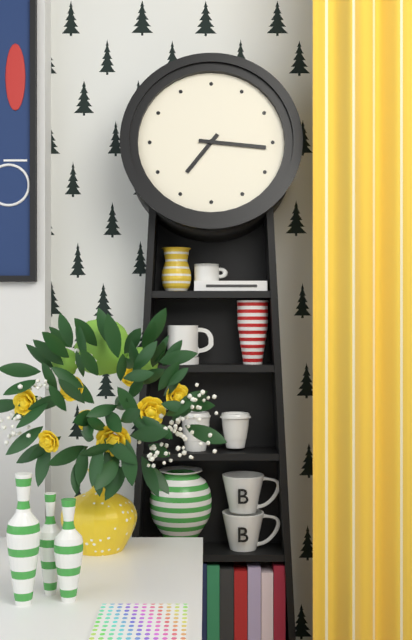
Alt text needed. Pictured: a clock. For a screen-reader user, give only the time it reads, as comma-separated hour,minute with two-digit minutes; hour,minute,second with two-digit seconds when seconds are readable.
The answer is 7,16
